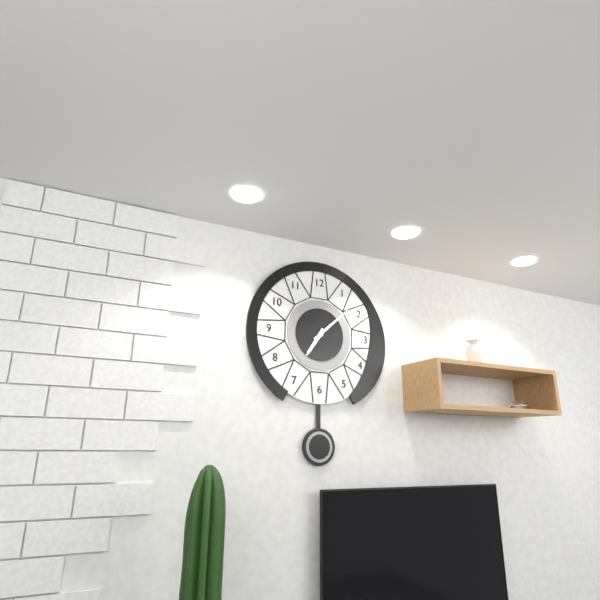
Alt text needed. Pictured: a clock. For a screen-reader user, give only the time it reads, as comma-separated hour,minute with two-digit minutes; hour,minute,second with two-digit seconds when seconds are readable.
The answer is 7,08
